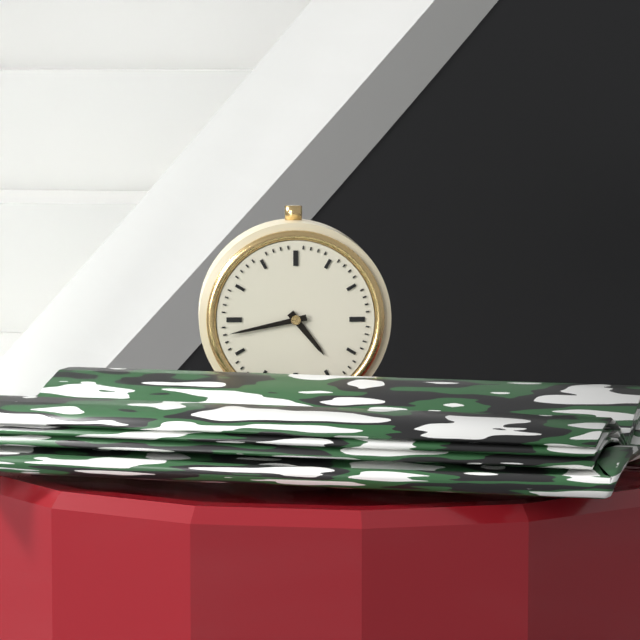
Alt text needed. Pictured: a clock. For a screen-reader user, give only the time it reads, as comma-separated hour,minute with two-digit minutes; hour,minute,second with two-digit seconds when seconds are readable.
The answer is 4,43
